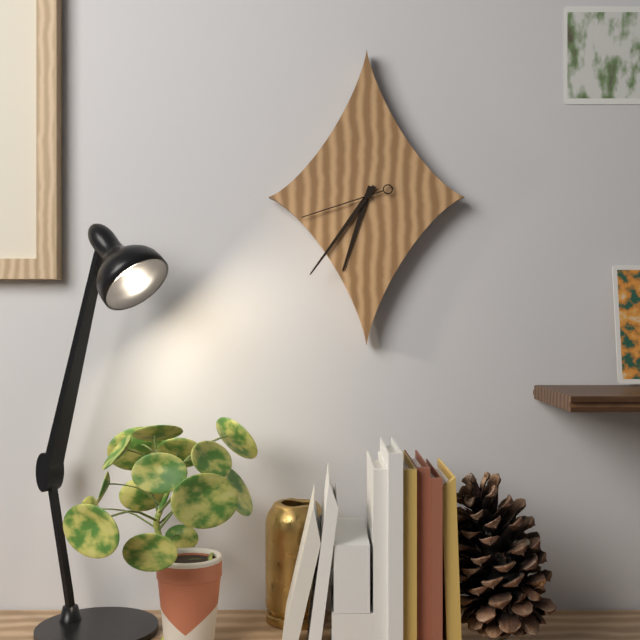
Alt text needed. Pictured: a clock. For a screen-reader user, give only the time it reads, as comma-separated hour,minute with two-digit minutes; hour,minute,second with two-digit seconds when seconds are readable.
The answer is 6,36,42
